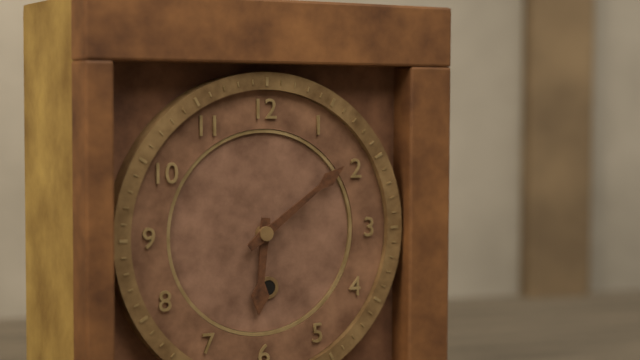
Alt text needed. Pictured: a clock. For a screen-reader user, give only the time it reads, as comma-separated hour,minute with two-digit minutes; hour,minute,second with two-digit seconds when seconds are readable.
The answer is 6,09
